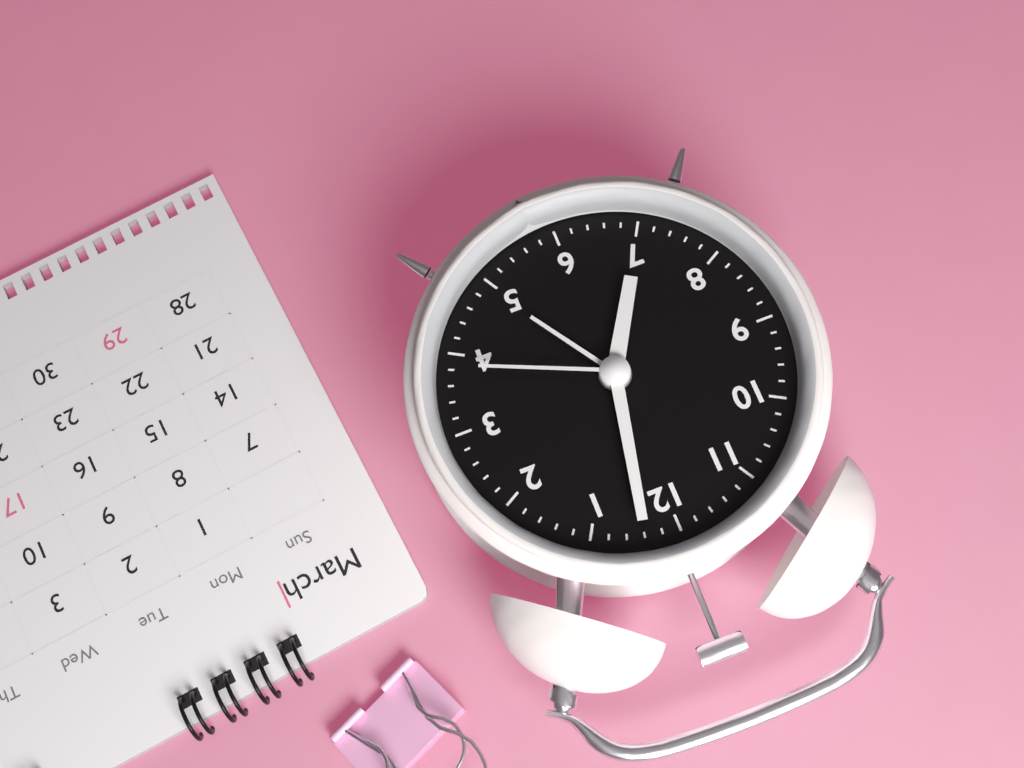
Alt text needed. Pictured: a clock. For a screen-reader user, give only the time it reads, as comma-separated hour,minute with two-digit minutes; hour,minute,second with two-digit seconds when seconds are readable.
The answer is 7,02,19
